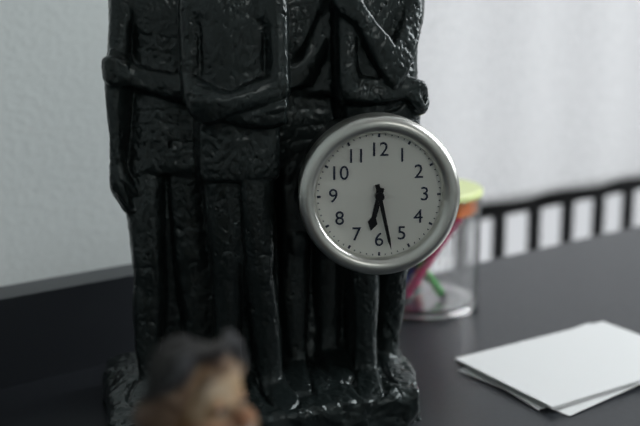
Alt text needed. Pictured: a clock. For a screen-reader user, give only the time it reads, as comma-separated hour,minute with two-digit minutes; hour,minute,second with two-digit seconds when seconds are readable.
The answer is 6,28
